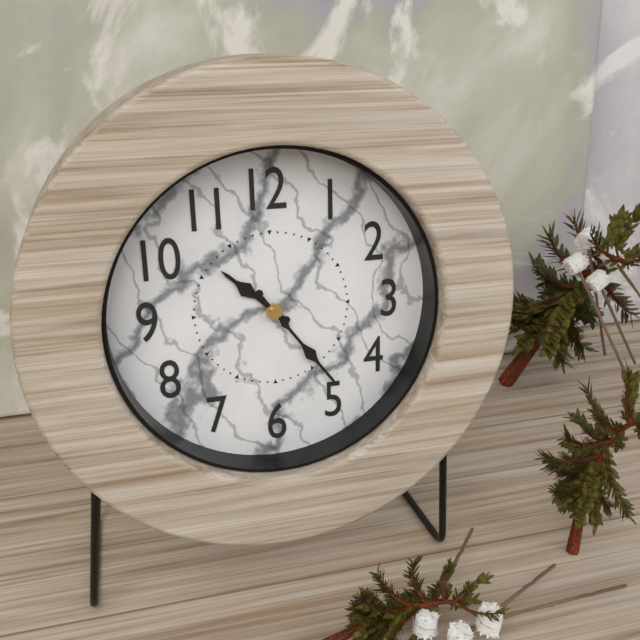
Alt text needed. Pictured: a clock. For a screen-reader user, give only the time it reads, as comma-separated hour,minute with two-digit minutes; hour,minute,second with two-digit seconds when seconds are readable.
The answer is 10,24
